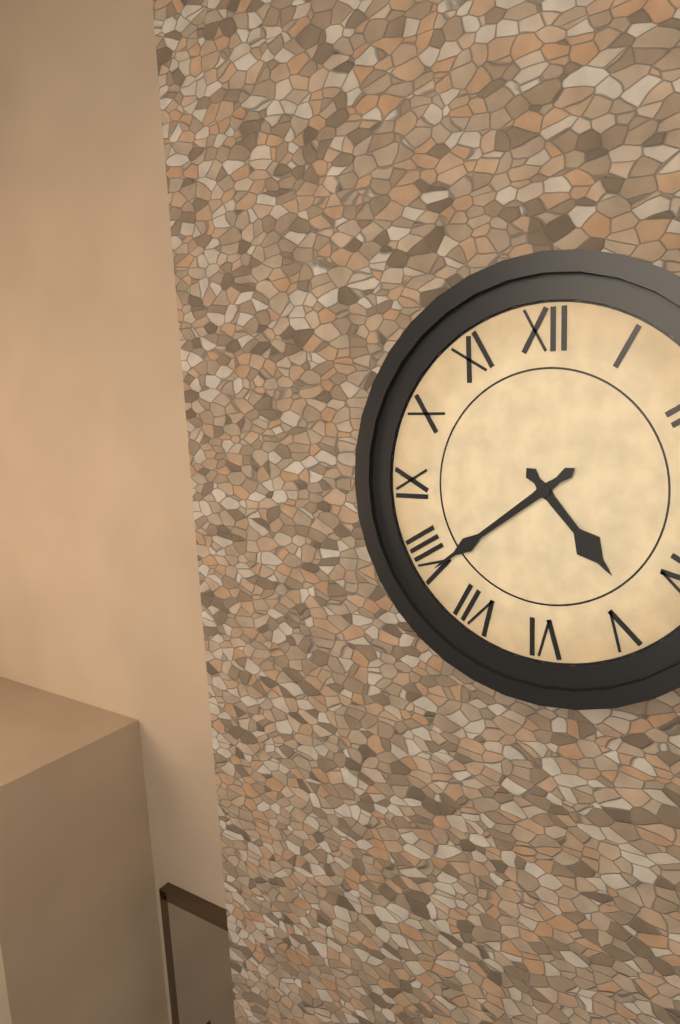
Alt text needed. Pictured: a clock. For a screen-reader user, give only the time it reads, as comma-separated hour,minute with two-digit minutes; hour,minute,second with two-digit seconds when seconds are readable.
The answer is 4,39
